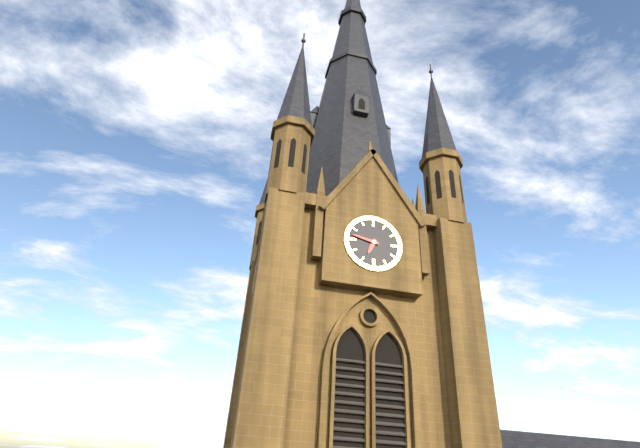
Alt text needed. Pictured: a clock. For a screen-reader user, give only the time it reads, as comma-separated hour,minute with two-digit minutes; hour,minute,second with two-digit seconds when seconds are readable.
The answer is 6,47
